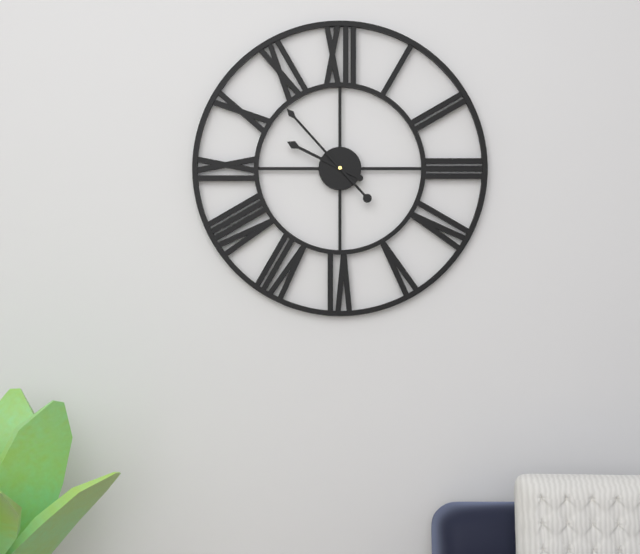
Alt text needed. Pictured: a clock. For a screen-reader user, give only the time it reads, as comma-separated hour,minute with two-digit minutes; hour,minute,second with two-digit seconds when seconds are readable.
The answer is 9,53
